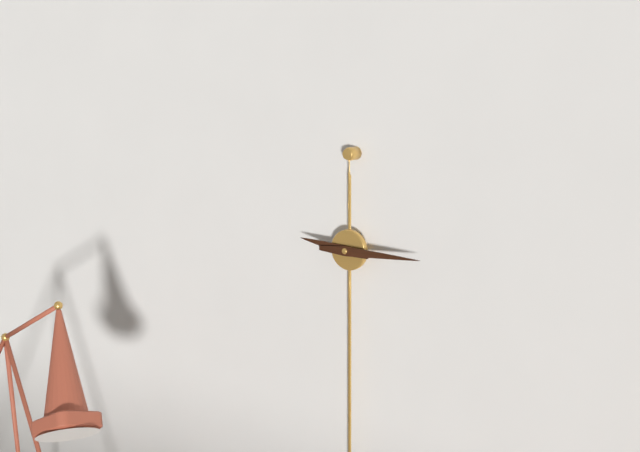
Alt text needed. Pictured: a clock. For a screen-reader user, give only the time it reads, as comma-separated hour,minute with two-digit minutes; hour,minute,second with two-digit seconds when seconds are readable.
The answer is 9,15
